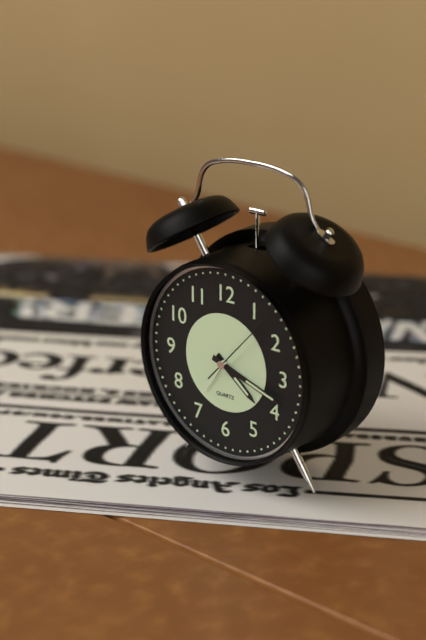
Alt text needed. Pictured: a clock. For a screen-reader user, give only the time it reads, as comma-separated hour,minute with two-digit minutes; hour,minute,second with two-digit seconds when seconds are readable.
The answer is 4,18,07
